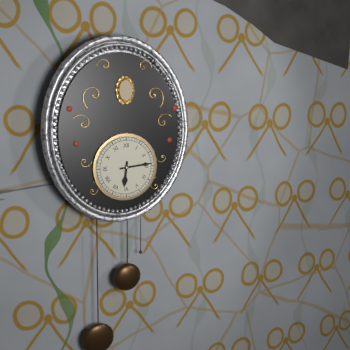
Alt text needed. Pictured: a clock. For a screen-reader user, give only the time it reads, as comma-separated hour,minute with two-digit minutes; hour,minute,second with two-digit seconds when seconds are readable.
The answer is 6,14
